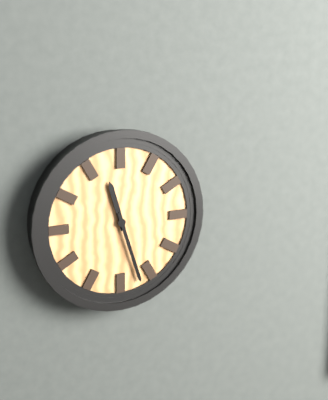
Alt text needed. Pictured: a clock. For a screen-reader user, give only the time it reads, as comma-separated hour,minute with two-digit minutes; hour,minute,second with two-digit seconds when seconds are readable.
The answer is 11,27
